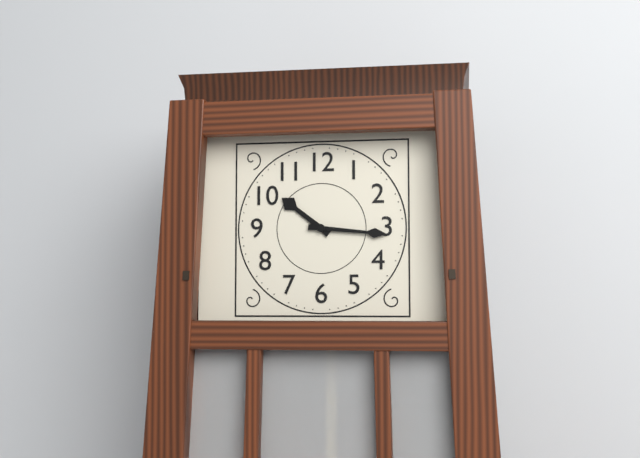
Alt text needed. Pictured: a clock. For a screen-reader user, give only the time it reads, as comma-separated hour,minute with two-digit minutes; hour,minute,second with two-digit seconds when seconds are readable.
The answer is 10,16
